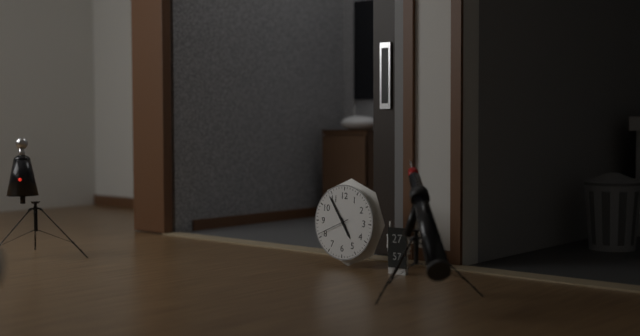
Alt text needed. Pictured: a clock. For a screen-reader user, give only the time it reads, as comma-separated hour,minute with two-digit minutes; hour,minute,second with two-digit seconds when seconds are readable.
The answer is 4,54
